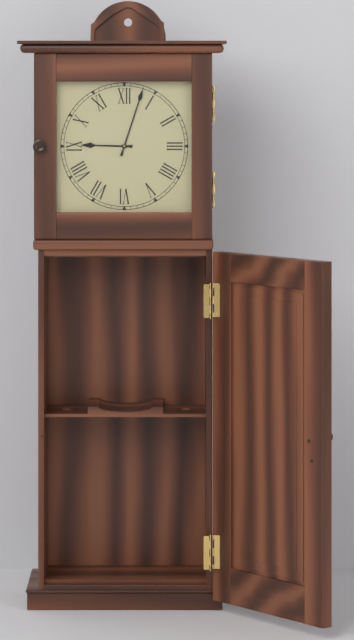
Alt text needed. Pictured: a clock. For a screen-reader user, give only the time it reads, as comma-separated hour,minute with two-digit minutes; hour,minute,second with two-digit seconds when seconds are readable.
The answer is 9,03
